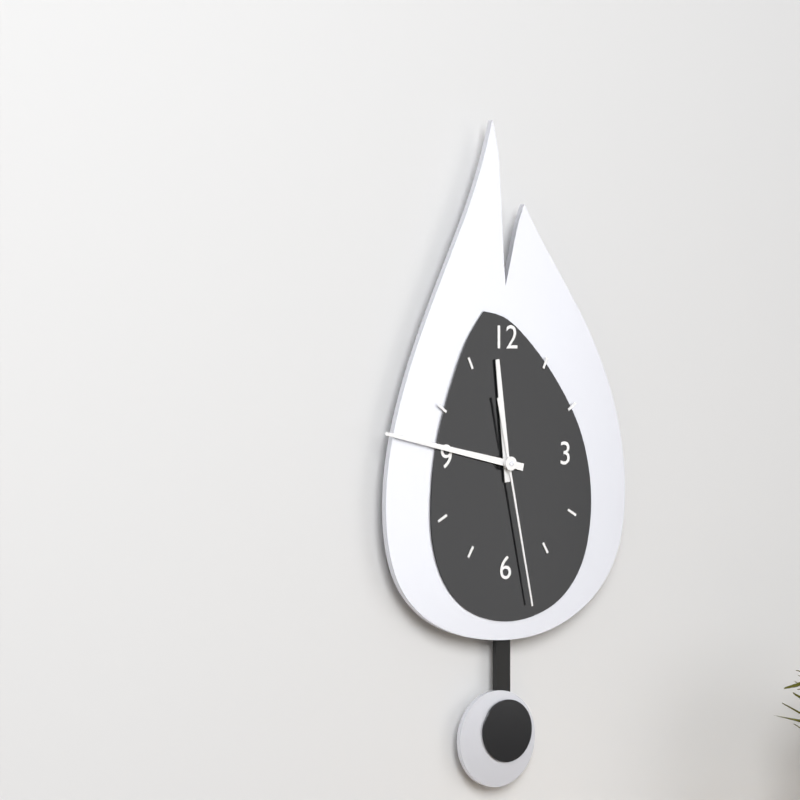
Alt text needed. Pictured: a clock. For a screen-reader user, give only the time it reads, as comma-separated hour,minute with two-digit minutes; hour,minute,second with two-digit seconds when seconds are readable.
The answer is 11,47,28
